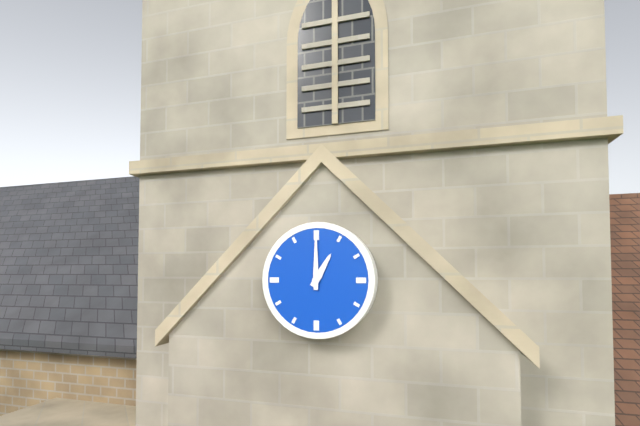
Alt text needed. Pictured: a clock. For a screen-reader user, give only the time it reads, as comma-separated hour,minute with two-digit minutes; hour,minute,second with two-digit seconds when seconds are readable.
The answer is 1,00
